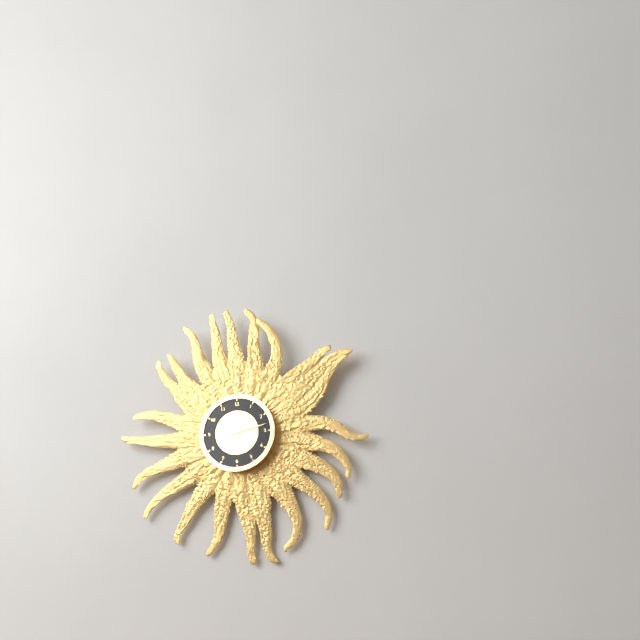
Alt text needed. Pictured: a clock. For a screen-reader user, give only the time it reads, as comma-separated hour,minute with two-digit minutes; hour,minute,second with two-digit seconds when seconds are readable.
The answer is 4,13
